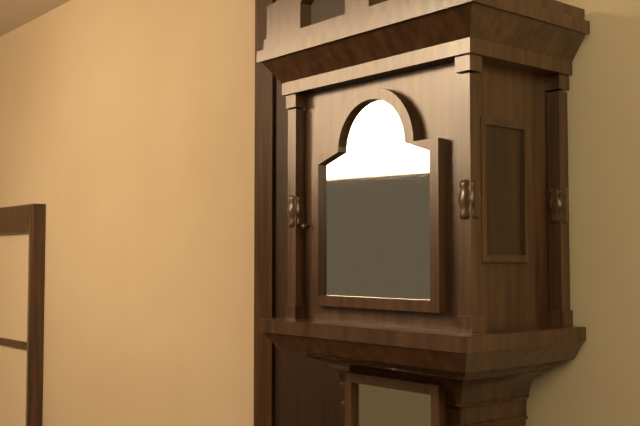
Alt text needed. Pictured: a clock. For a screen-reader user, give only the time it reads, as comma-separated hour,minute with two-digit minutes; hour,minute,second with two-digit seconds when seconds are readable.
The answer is 4,38
